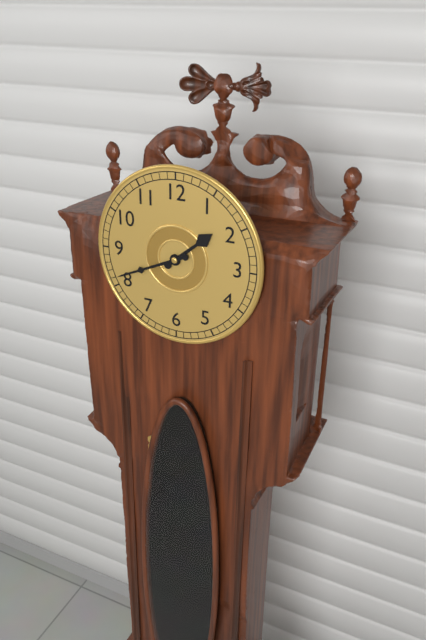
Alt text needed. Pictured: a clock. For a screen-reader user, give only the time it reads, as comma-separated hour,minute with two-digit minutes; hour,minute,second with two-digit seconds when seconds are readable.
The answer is 1,41
